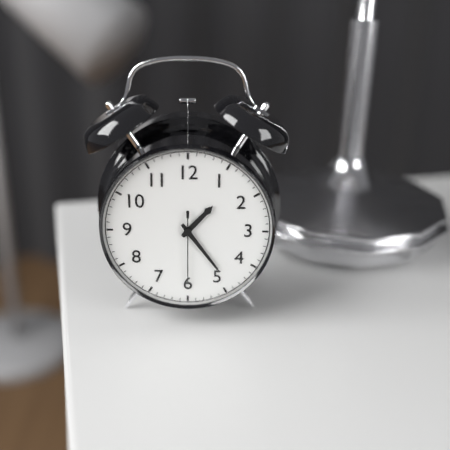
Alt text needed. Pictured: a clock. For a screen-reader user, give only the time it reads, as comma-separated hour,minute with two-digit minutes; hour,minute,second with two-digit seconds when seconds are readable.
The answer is 1,24,30
